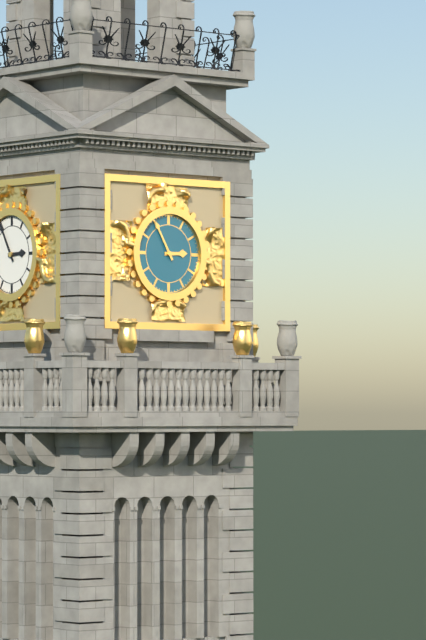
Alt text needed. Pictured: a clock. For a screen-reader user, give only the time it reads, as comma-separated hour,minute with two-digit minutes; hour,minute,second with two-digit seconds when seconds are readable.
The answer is 2,55
